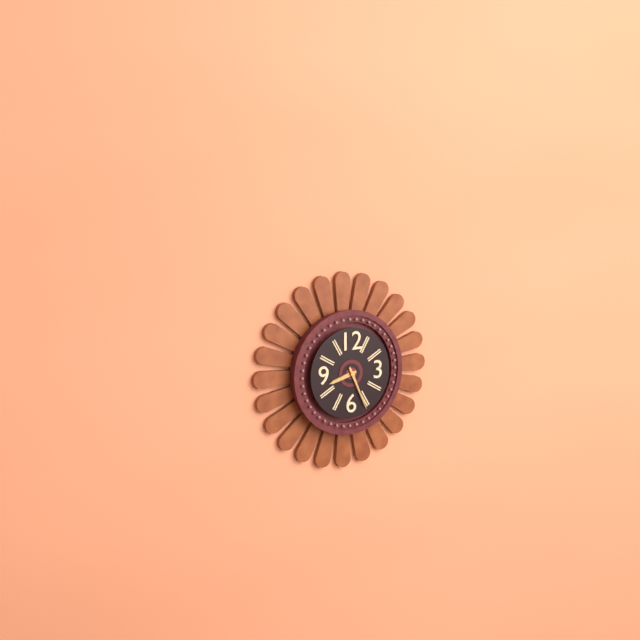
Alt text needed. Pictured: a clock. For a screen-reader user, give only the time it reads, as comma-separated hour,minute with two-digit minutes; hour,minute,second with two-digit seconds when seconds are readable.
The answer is 8,26
